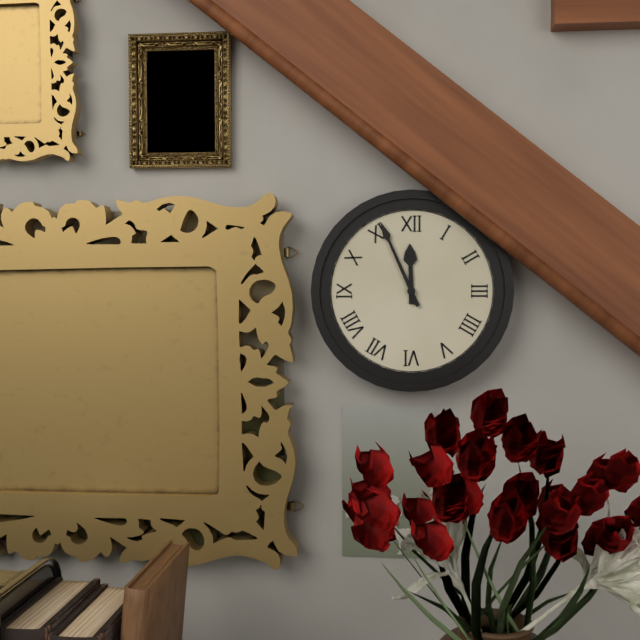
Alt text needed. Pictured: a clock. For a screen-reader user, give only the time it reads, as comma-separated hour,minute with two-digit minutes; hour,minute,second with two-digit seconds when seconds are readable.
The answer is 11,56
